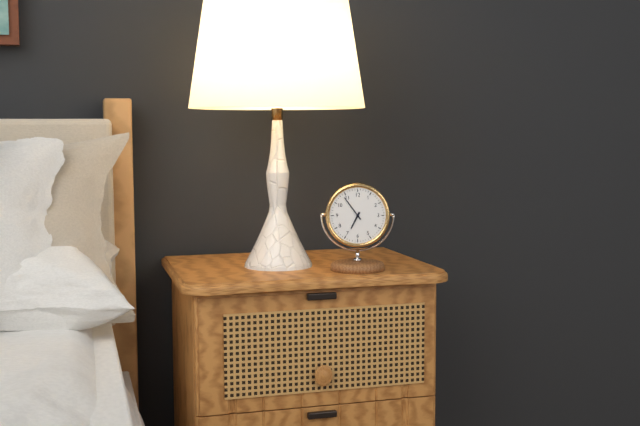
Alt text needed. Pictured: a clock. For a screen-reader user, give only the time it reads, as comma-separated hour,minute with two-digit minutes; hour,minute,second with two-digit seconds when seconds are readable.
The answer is 6,54
